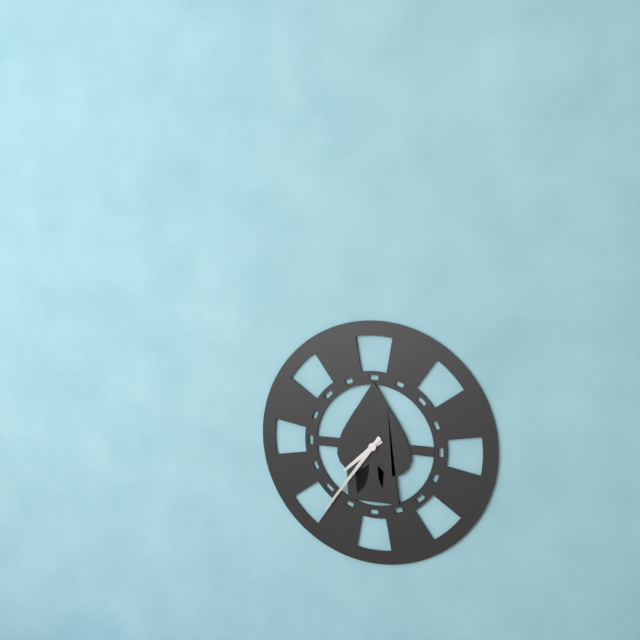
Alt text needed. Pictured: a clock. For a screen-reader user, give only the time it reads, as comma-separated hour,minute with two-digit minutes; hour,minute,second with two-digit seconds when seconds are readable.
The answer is 7,36
